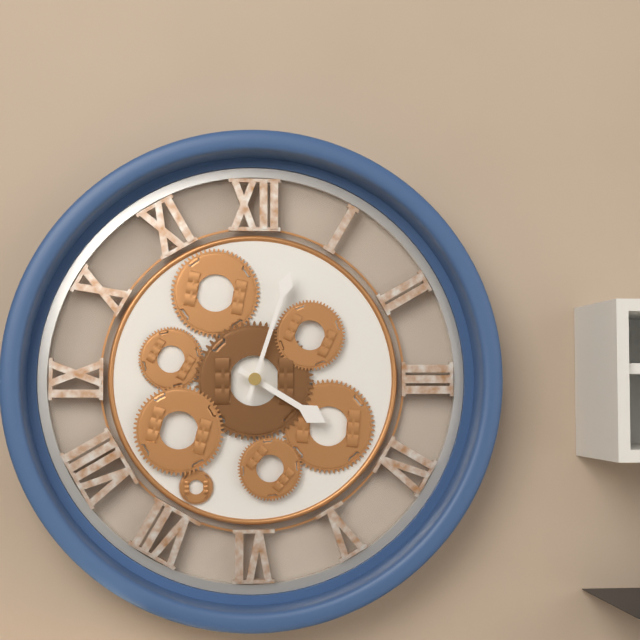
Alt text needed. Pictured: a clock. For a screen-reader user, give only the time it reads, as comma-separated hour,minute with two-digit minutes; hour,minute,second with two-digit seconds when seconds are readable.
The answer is 4,03
